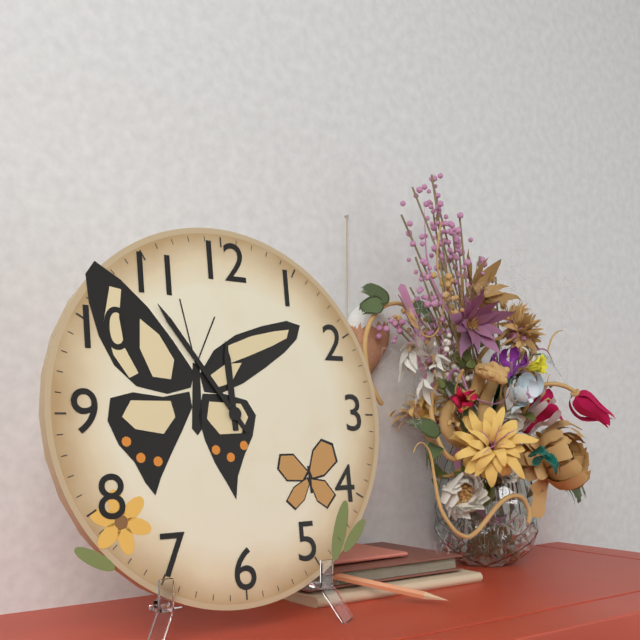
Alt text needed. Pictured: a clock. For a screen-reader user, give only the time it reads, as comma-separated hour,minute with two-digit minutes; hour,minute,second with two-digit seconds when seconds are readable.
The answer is 11,54
